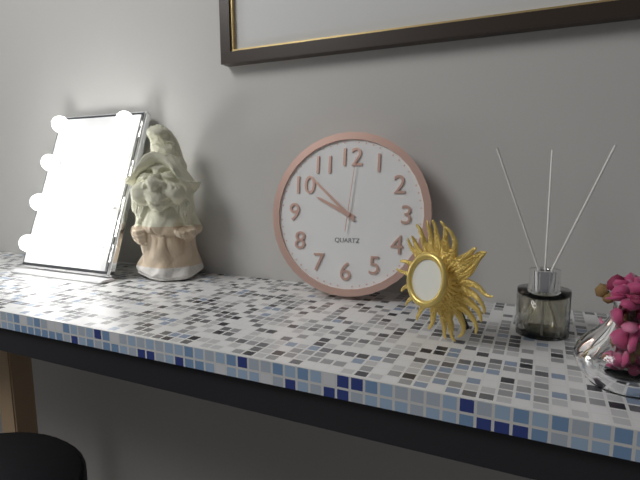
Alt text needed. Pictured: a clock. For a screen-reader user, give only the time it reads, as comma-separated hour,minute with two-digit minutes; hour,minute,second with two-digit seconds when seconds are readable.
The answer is 9,52,01
